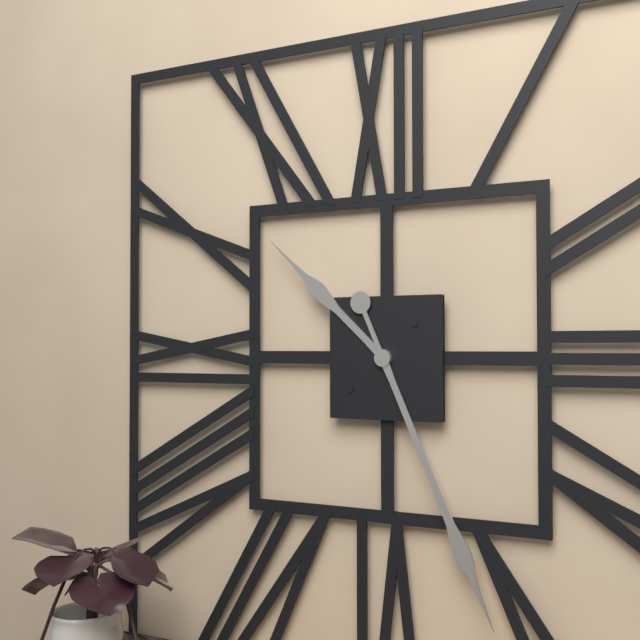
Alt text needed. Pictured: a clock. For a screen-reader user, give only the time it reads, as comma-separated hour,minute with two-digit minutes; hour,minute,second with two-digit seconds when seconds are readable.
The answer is 10,26
